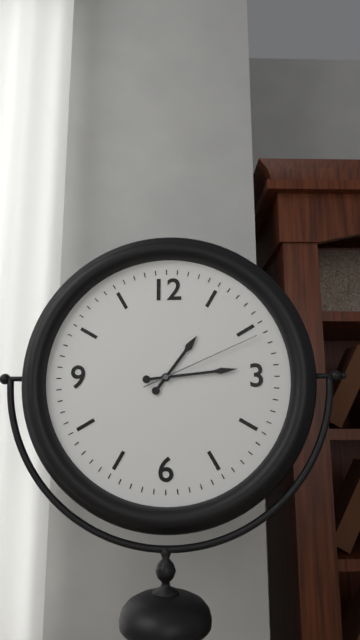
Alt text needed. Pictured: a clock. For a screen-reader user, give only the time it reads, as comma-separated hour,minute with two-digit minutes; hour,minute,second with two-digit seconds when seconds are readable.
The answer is 1,14,11
